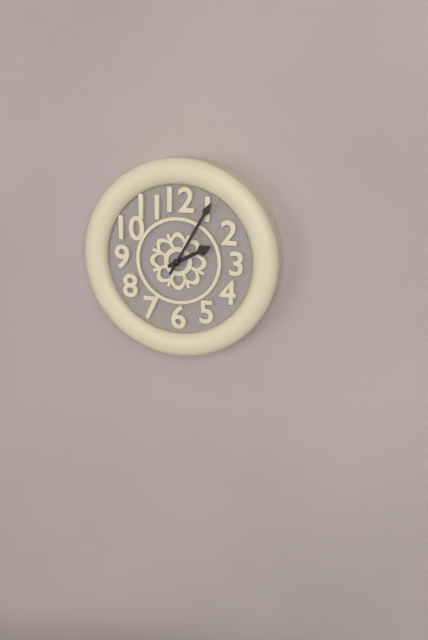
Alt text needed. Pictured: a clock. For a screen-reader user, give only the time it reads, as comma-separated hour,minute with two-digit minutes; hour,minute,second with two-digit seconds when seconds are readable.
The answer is 2,05
